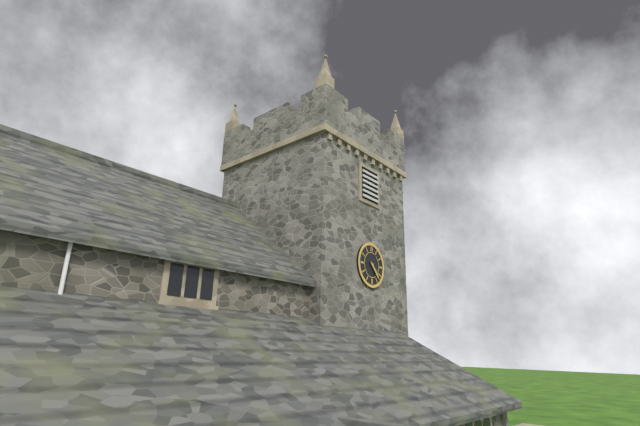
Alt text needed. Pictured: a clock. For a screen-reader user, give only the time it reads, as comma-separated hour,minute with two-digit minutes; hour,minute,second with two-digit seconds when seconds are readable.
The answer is 4,23
